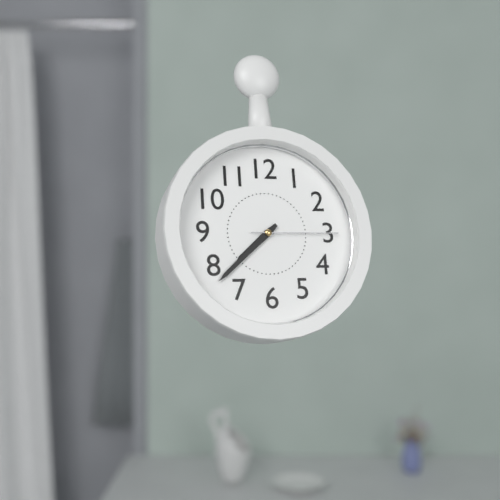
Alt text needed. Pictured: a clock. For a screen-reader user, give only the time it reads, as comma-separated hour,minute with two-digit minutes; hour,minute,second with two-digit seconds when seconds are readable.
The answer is 7,38,15
